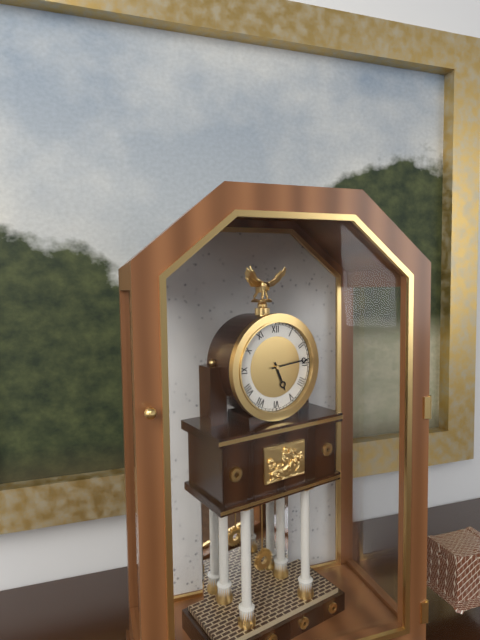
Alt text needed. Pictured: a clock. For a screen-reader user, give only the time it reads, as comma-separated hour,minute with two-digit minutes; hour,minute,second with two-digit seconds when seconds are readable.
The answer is 5,14
